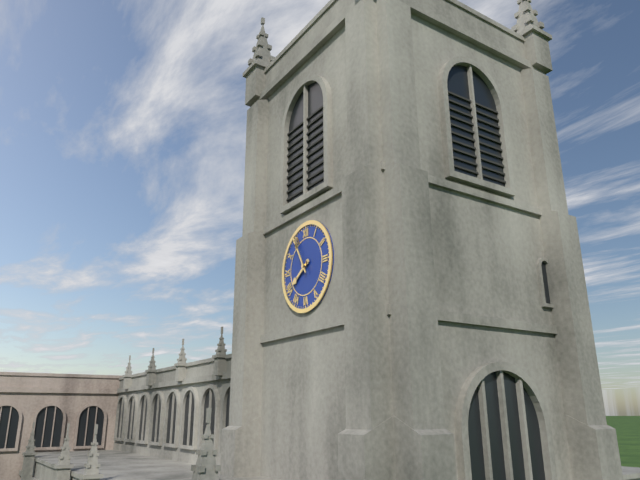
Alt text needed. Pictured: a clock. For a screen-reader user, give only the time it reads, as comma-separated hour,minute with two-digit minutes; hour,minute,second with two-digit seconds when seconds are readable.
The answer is 7,55
